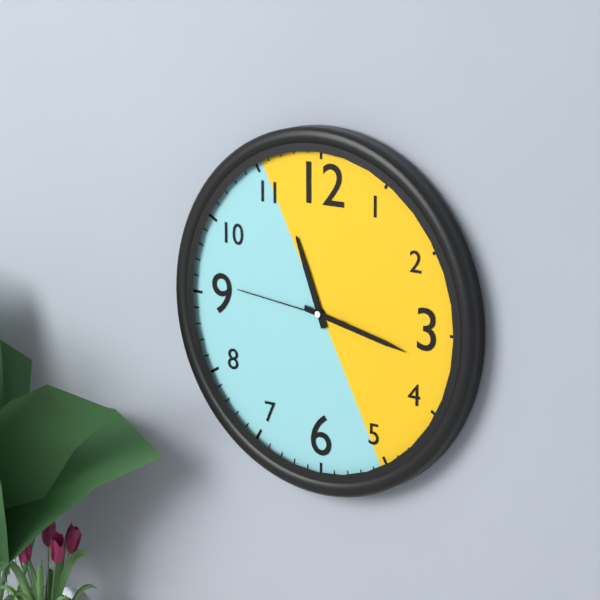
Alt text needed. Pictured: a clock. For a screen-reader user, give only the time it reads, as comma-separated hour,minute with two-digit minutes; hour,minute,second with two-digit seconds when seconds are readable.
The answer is 11,17,46
